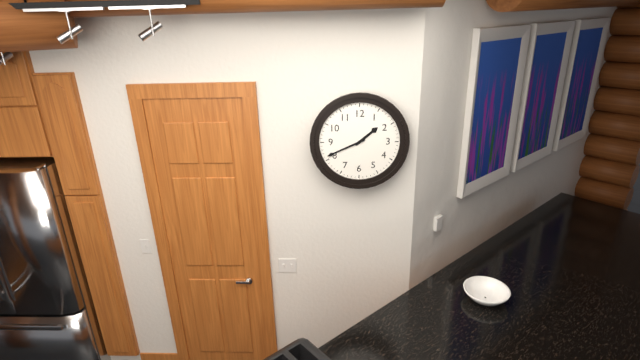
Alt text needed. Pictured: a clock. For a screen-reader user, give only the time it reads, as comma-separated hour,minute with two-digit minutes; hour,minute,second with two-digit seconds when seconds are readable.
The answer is 1,41
